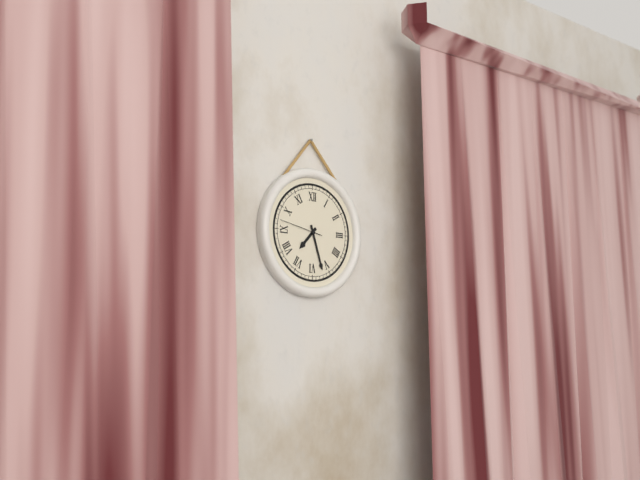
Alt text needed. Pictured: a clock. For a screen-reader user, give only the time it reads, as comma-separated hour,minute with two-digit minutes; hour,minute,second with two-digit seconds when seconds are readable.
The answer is 7,27
